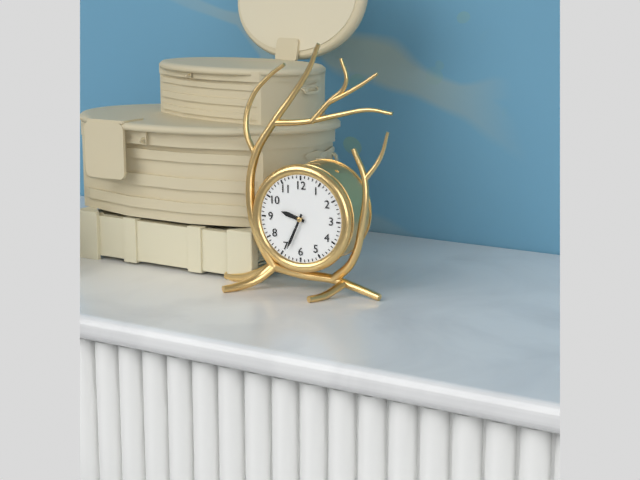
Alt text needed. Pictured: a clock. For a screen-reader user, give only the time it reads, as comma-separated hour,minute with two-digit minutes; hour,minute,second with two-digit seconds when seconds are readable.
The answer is 9,34
